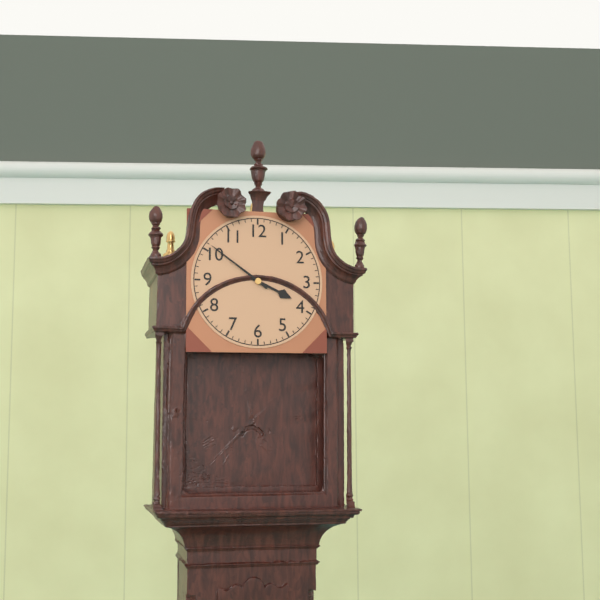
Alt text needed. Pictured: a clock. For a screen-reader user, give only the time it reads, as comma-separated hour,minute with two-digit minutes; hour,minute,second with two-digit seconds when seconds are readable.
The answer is 3,51
